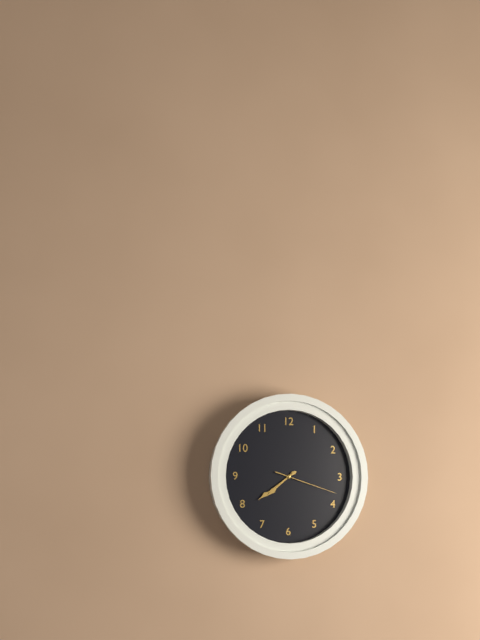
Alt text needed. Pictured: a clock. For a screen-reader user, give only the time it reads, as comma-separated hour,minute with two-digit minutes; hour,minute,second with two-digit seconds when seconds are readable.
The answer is 7,39,18
